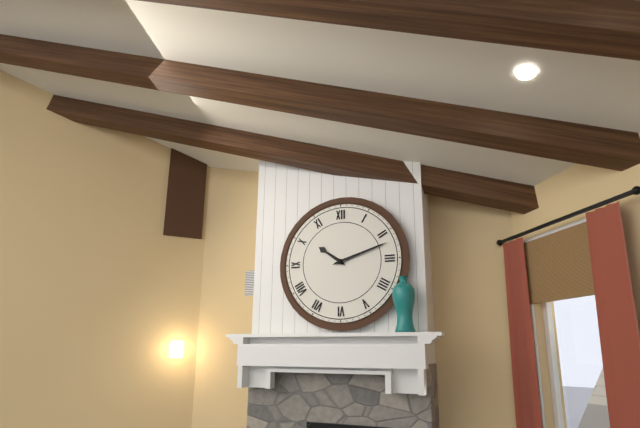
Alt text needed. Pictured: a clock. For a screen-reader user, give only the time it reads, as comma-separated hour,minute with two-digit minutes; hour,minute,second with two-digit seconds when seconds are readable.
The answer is 10,12
